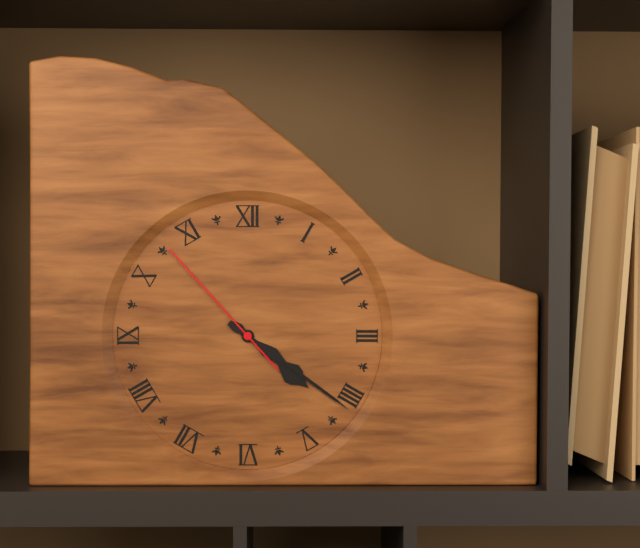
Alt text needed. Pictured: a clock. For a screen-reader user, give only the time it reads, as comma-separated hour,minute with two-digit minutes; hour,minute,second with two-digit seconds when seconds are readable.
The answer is 4,21,53
